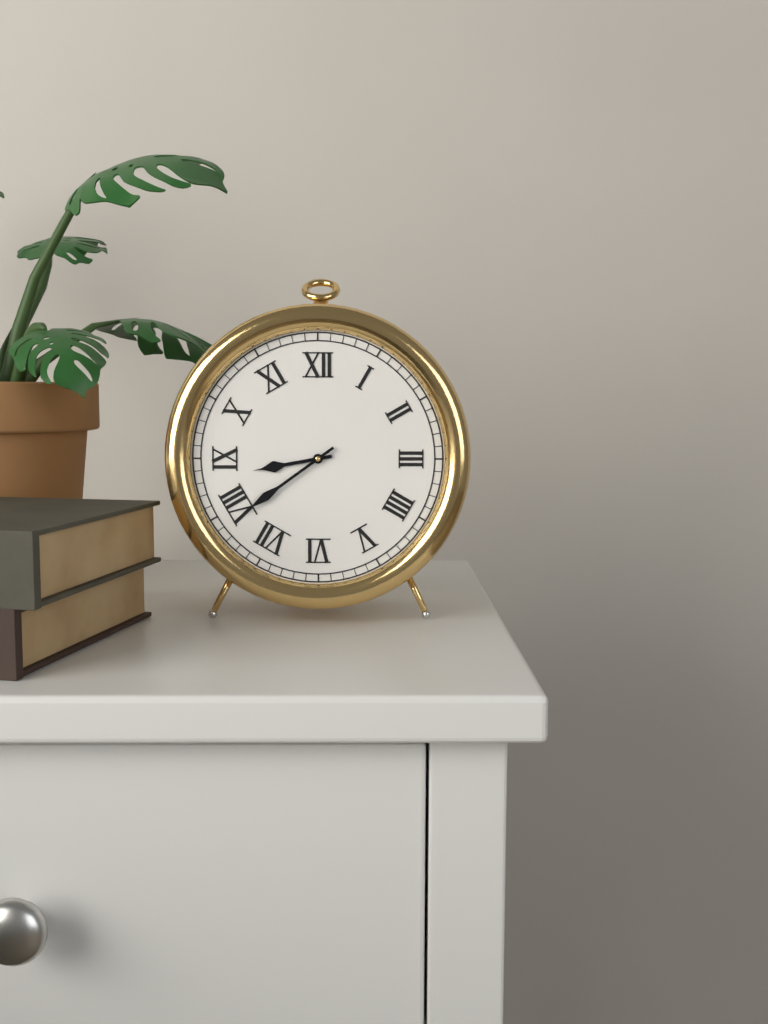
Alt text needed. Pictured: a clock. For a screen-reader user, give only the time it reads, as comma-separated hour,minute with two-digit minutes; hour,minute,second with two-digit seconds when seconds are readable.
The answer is 8,39
